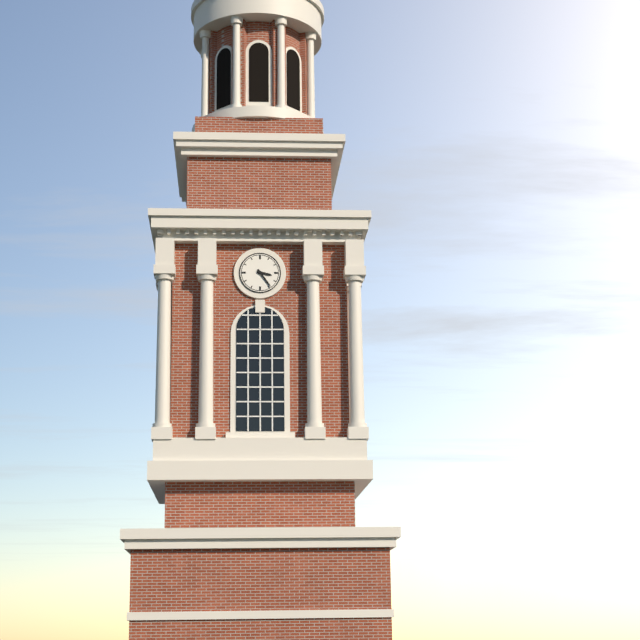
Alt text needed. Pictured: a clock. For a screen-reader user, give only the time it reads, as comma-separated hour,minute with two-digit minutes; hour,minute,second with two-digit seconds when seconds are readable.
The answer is 3,24
